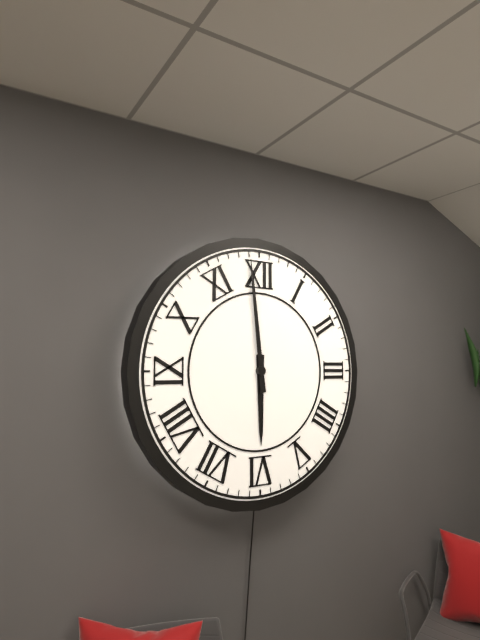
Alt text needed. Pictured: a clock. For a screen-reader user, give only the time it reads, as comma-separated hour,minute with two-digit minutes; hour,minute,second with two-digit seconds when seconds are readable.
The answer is 5,59
